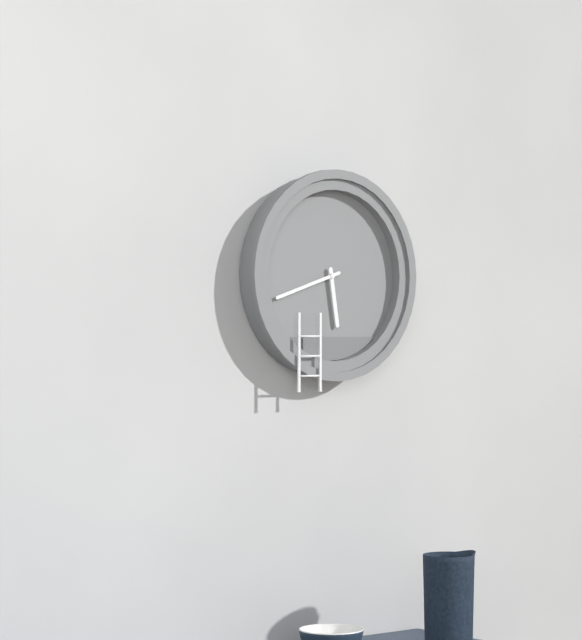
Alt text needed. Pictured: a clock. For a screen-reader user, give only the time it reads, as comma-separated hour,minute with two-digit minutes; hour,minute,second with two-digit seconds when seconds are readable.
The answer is 5,42
